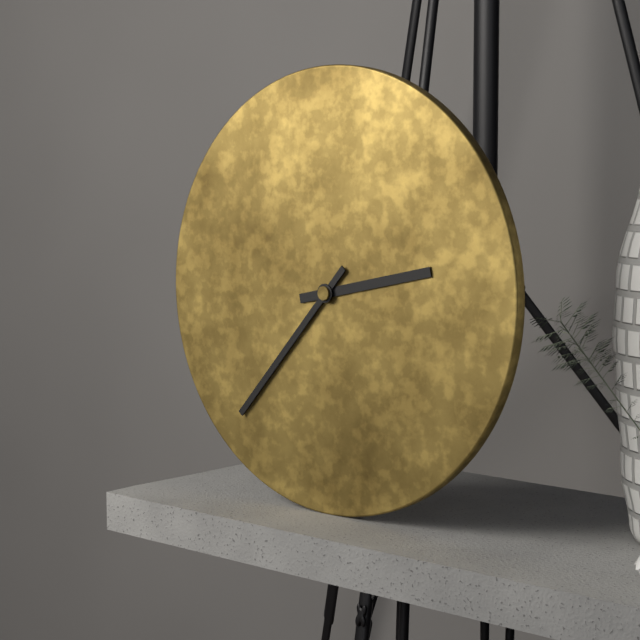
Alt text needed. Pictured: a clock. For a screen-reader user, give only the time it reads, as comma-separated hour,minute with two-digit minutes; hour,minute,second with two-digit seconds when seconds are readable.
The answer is 2,37
